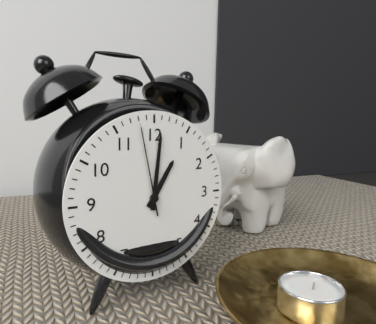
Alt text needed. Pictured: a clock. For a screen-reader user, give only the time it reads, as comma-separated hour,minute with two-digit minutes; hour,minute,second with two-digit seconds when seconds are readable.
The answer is 1,01,58
